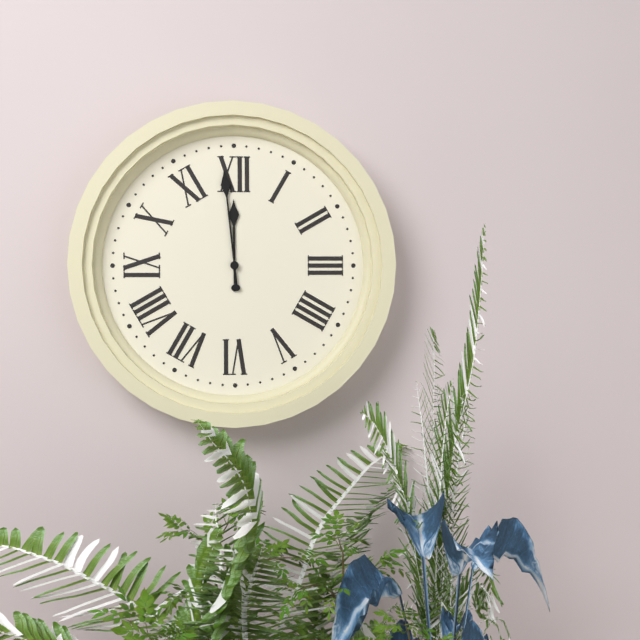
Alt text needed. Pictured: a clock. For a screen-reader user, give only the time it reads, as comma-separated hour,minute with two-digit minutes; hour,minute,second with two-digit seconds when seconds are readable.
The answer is 11,59
